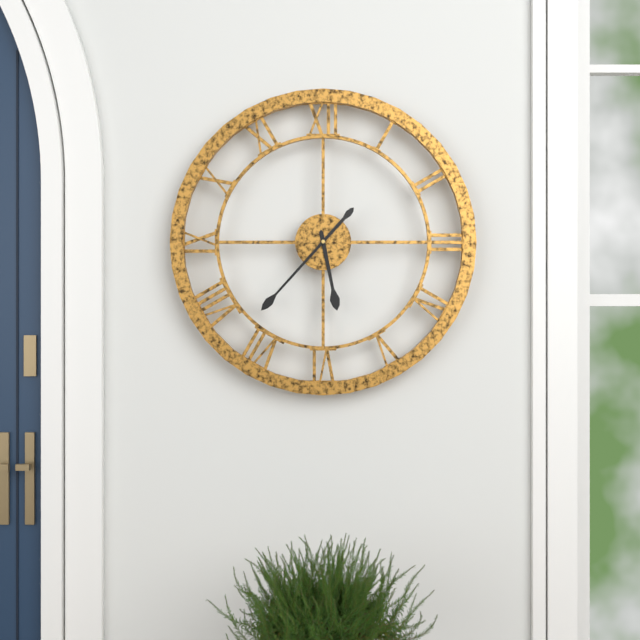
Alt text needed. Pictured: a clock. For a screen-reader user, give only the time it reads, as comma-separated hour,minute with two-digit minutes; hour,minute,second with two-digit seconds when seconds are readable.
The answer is 5,37
